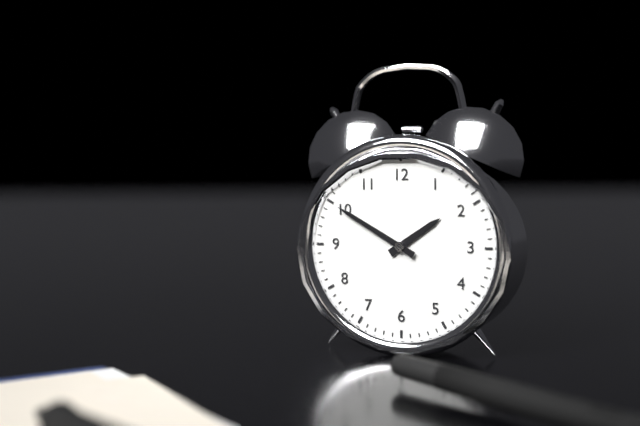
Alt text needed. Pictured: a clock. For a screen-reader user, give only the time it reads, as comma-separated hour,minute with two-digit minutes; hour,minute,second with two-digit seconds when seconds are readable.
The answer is 1,50
